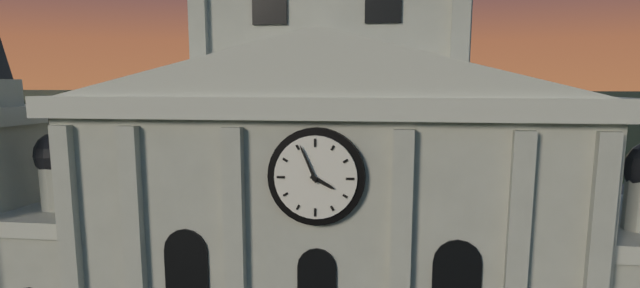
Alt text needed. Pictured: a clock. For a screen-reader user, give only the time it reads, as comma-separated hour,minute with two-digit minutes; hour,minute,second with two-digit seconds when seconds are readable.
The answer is 3,56
